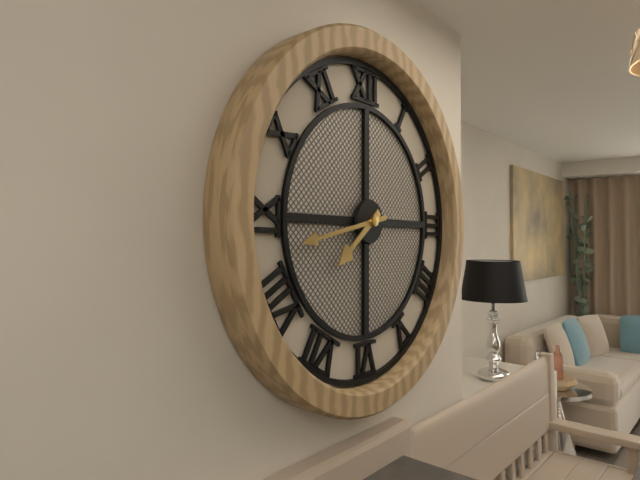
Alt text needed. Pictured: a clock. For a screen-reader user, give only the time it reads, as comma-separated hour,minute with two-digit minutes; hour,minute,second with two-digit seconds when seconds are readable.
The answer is 7,43
